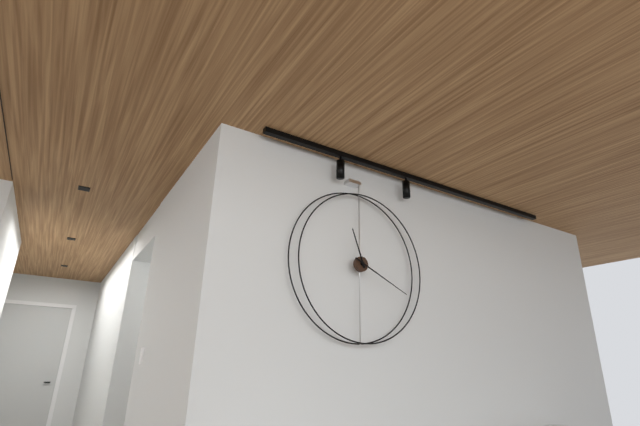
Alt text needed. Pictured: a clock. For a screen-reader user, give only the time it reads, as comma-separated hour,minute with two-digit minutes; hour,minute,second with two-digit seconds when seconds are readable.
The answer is 11,19
